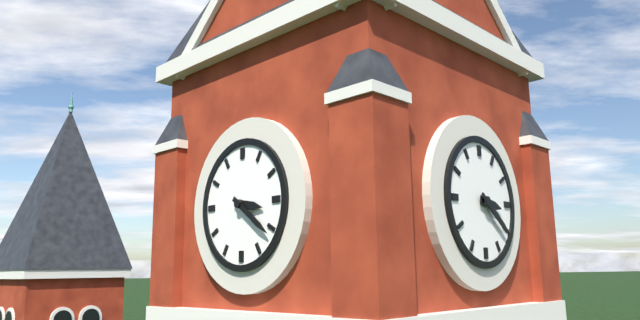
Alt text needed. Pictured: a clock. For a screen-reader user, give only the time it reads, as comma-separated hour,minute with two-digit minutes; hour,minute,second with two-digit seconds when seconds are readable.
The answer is 3,21
